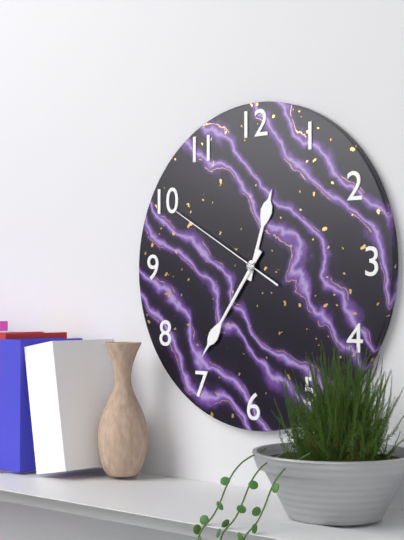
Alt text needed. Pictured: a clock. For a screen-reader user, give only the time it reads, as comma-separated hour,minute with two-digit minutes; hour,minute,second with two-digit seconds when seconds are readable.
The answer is 12,36,50
